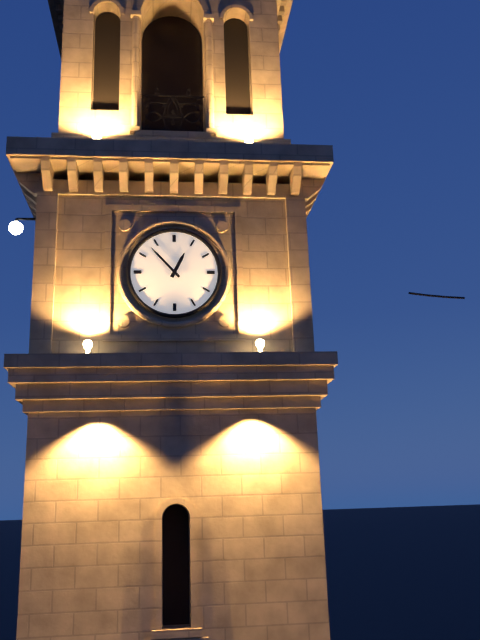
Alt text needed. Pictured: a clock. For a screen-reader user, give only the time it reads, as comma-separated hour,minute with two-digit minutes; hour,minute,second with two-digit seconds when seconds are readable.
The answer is 12,53
